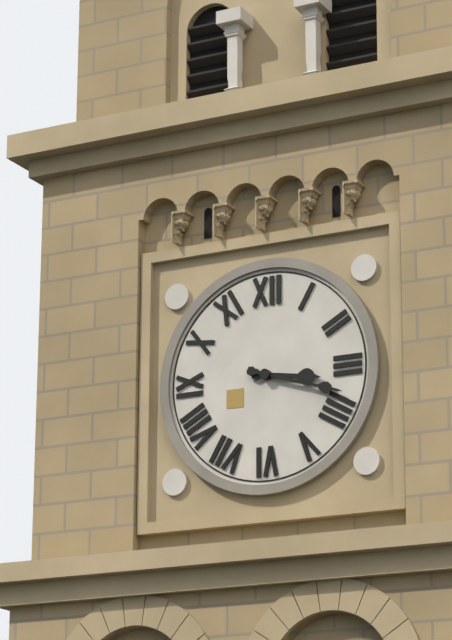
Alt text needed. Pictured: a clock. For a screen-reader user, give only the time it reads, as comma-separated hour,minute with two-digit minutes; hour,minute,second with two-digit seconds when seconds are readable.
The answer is 3,18
